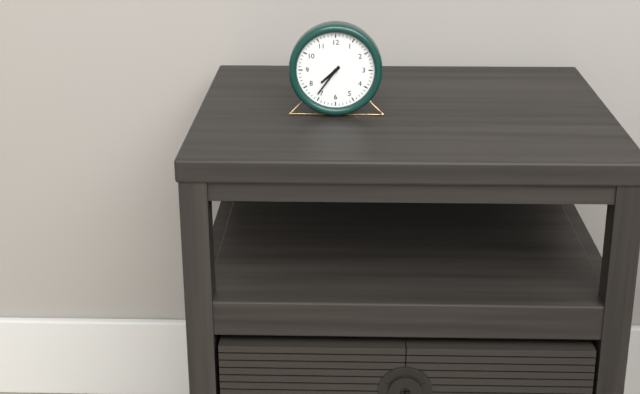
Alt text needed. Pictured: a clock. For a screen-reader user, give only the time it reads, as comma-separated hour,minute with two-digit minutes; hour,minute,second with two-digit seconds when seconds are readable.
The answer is 7,36
